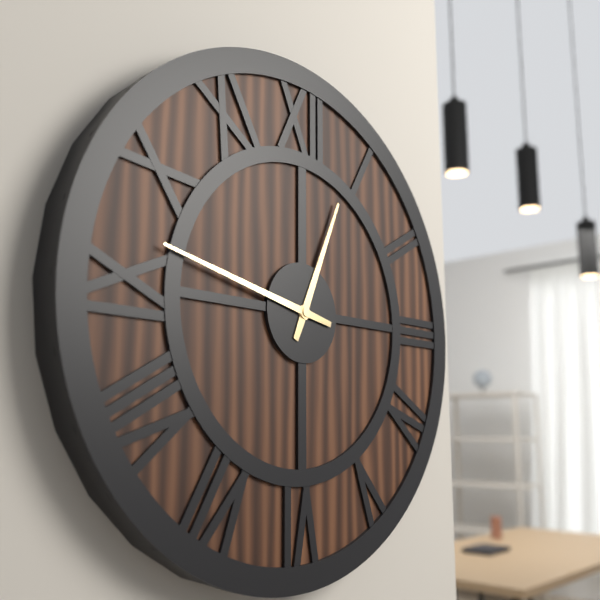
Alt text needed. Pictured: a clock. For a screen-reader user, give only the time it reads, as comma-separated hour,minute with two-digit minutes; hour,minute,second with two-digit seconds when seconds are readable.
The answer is 12,47
